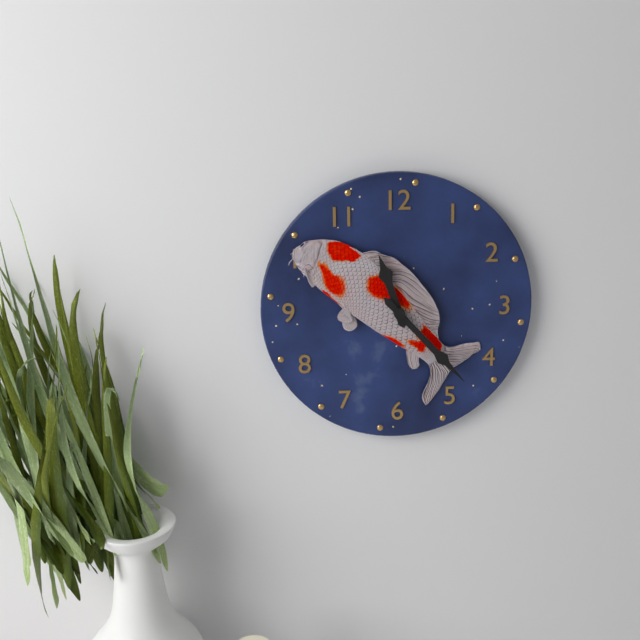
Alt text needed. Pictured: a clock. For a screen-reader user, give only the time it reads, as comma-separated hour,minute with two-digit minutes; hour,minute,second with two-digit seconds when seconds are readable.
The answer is 11,23
